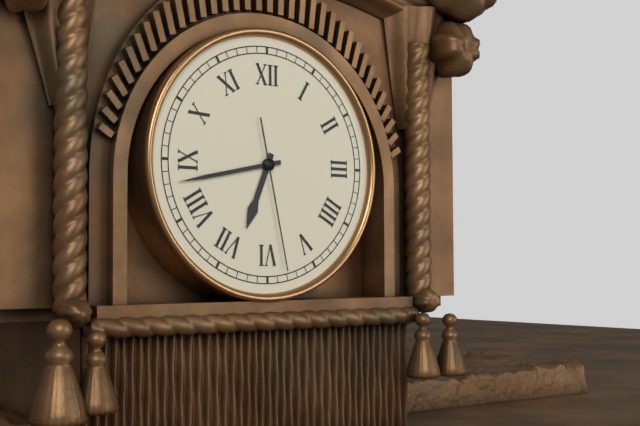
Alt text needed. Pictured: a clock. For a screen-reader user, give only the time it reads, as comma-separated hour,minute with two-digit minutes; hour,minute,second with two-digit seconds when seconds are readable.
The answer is 6,43,28
